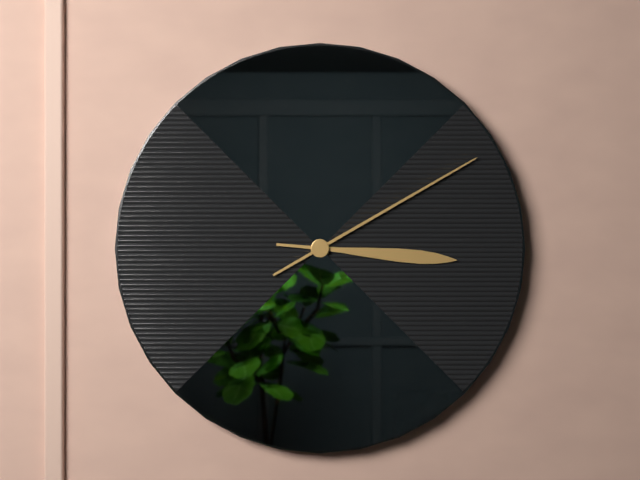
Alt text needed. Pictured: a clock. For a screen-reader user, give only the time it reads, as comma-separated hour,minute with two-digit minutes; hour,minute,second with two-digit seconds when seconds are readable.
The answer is 3,10
